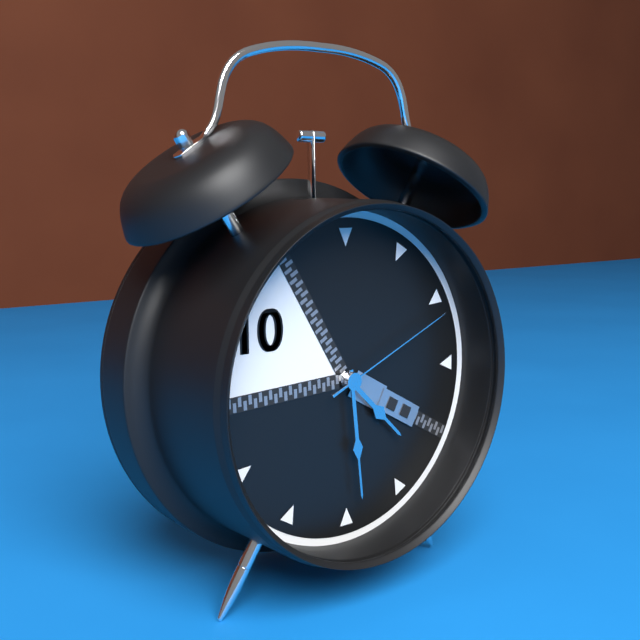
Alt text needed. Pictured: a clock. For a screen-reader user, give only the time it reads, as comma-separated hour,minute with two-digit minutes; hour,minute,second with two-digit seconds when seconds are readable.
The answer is 4,29,11
